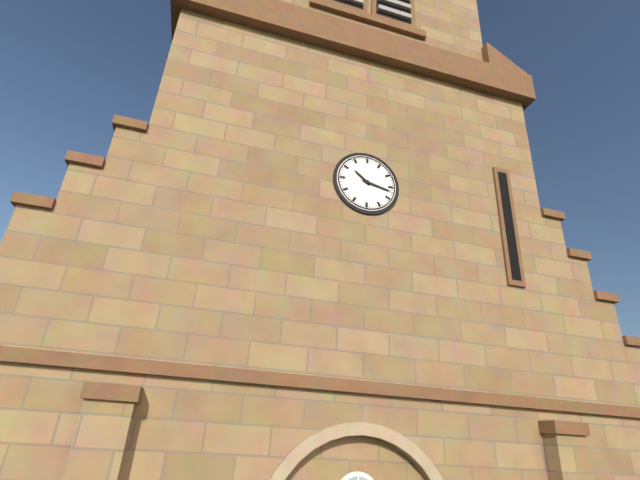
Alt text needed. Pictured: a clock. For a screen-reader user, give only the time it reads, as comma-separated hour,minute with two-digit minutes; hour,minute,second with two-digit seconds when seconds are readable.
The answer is 10,17
